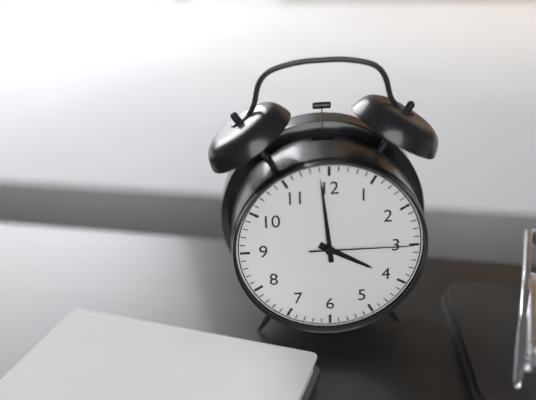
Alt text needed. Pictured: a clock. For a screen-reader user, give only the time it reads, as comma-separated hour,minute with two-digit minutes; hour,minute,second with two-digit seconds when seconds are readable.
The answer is 3,59,15
